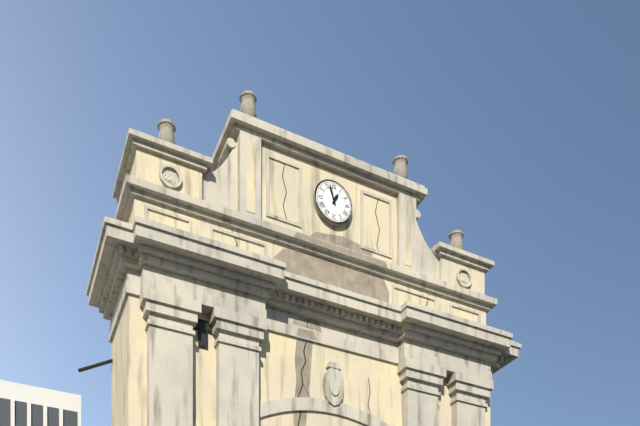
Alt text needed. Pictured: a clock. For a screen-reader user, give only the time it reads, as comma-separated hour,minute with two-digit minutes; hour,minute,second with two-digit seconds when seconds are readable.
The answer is 12,57
